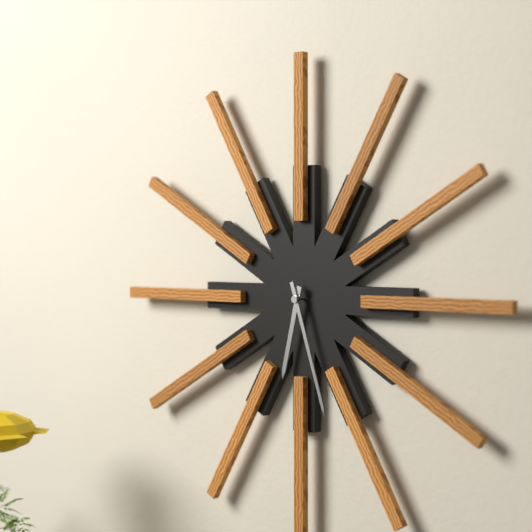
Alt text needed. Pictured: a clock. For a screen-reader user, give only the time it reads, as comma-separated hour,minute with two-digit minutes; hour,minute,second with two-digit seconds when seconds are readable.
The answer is 6,27
